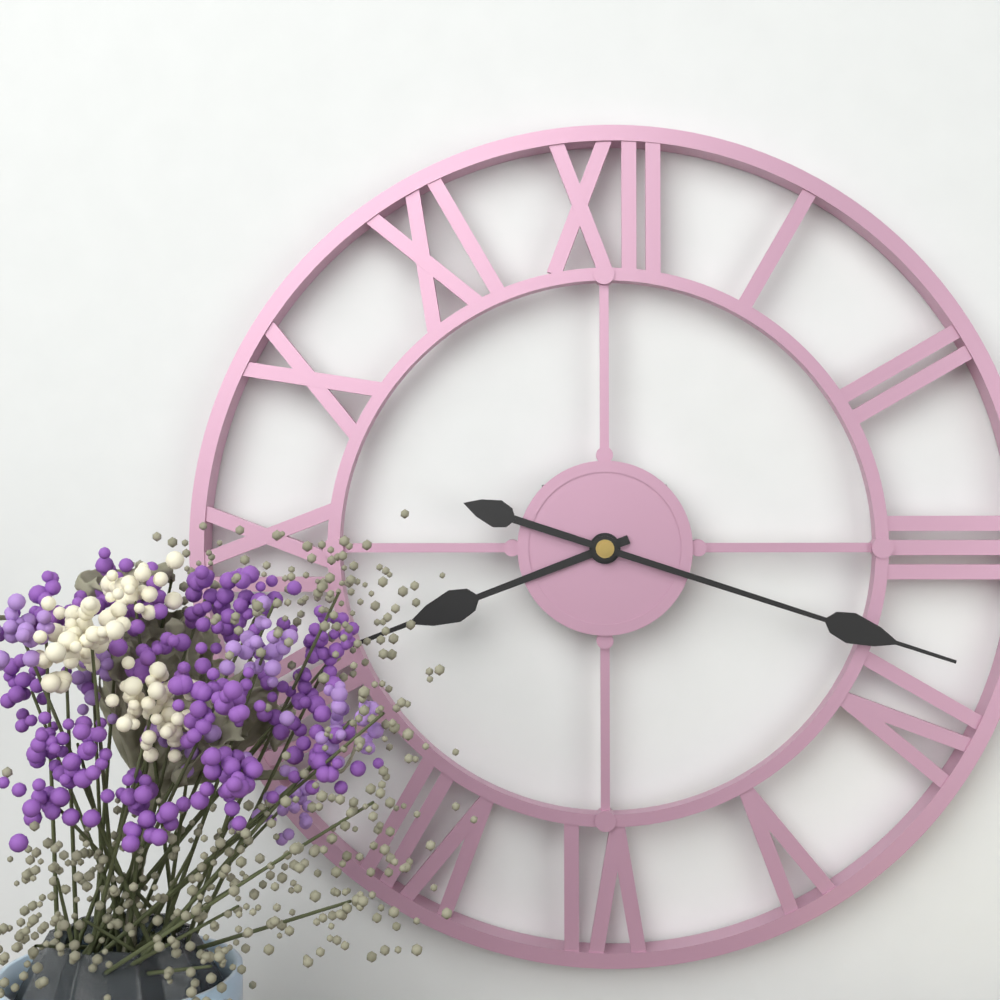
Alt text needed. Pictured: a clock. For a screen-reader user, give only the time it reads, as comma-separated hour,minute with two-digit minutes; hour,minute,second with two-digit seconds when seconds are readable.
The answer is 8,18
